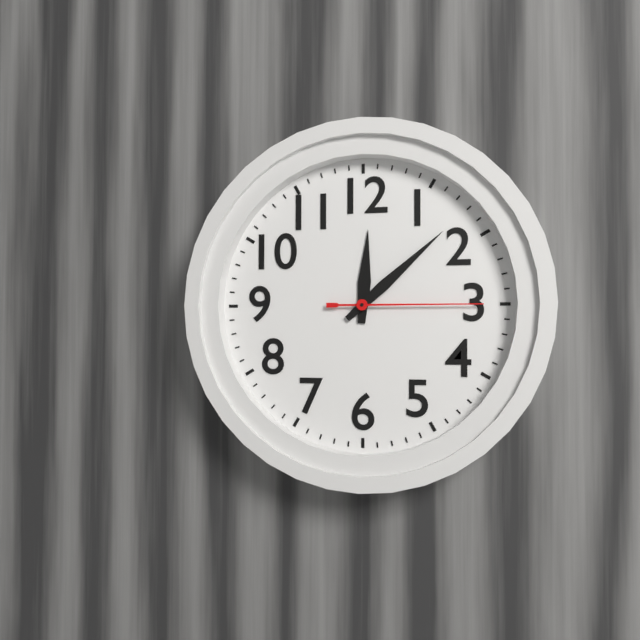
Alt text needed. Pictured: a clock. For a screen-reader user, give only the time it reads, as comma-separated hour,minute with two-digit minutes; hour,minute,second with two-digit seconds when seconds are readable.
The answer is 12,08,15
